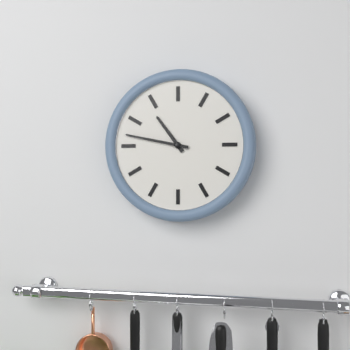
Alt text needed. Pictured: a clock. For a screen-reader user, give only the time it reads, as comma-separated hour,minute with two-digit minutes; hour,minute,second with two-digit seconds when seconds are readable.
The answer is 10,47
